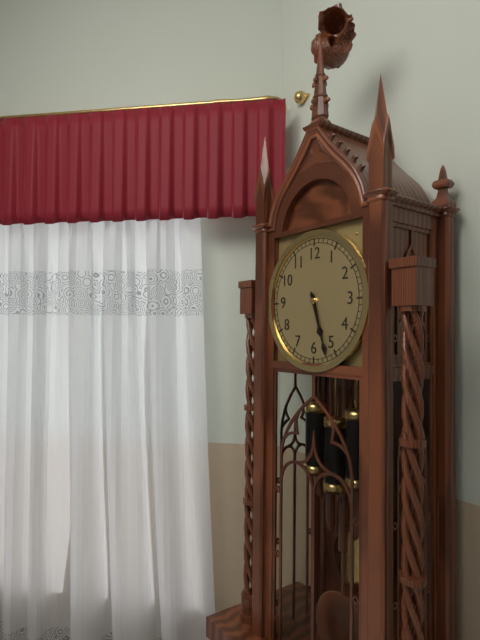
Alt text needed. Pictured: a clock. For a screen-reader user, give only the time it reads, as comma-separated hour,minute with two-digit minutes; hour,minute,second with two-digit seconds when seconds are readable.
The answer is 5,27
